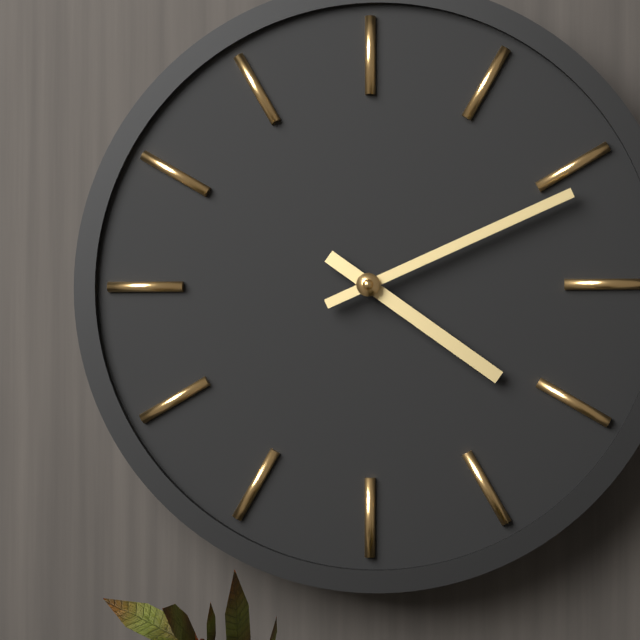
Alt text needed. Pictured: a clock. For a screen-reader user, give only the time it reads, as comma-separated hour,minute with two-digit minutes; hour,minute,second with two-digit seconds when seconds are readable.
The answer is 4,11
